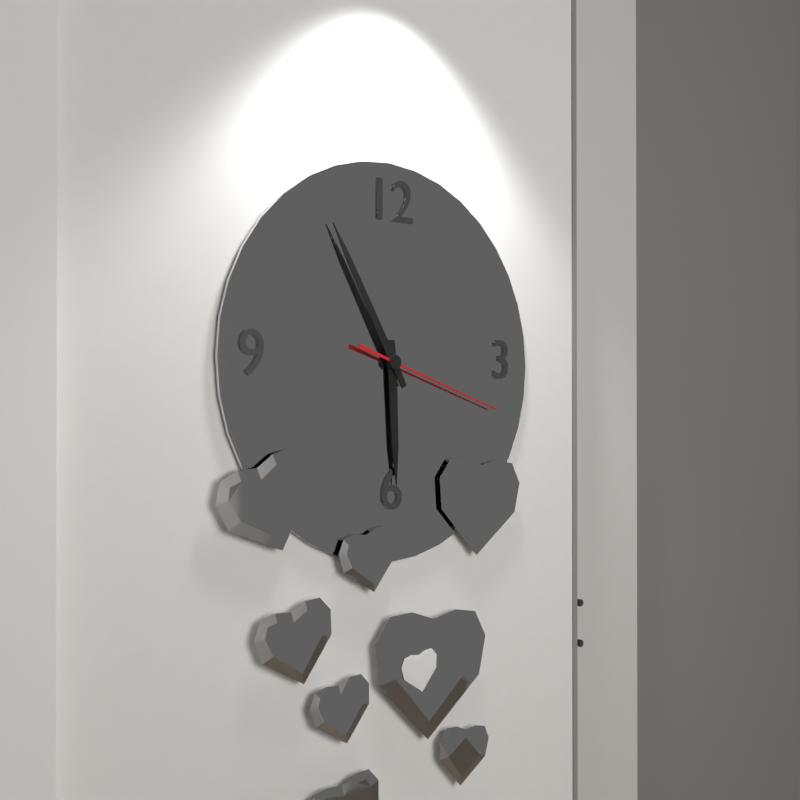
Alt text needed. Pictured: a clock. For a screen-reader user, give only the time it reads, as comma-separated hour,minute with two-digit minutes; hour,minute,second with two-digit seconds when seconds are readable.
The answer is 5,55,18
